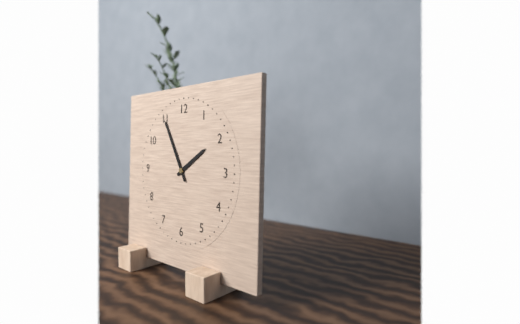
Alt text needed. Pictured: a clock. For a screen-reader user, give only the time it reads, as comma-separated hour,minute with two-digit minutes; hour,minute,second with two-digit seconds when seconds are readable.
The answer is 1,55
